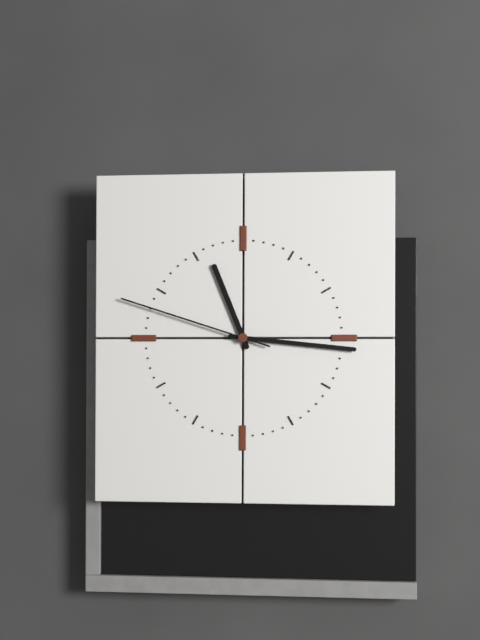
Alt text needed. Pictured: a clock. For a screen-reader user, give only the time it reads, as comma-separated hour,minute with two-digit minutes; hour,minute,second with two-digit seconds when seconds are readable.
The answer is 11,16,48
